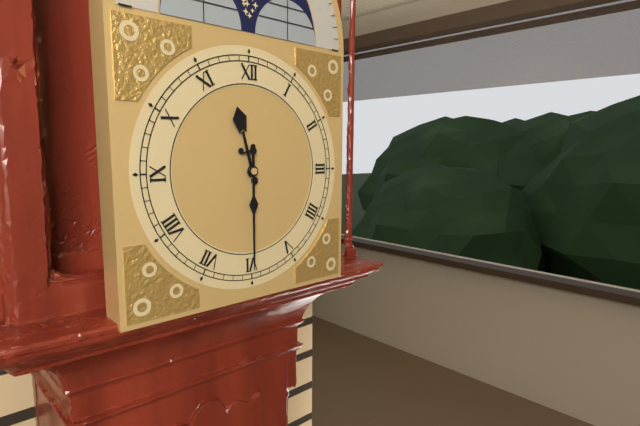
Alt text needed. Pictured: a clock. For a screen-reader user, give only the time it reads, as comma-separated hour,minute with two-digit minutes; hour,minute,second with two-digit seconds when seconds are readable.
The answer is 11,30
